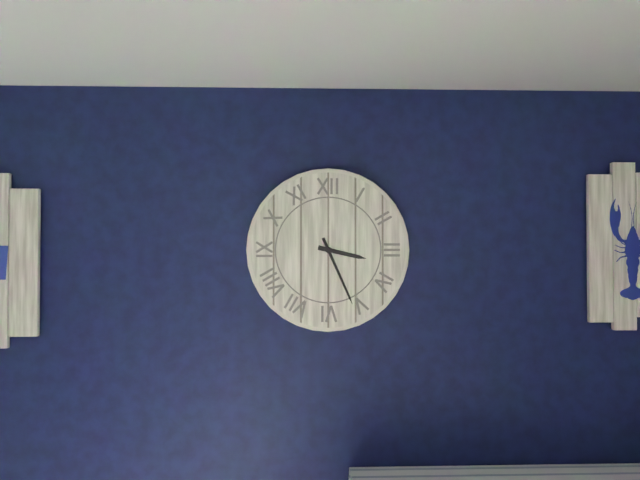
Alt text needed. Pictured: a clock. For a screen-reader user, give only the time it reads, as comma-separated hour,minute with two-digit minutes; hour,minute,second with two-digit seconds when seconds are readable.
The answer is 3,26
